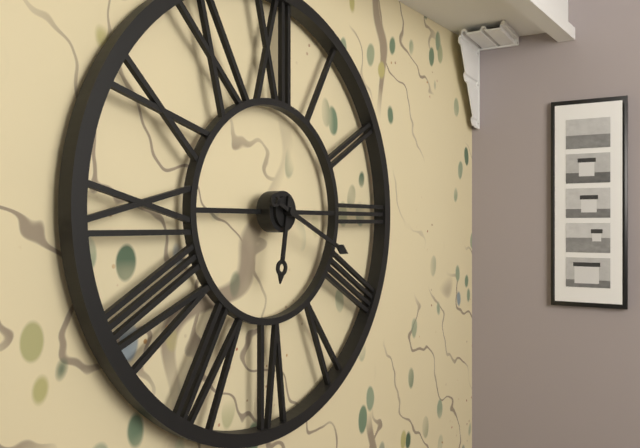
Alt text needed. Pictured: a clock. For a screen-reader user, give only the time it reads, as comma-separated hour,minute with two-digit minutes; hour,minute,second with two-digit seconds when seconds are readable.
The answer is 6,19
